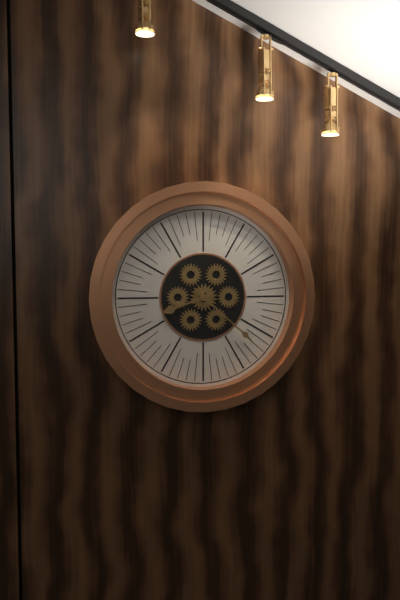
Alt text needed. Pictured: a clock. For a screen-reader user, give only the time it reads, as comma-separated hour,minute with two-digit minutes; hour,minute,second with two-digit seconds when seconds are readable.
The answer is 8,22
